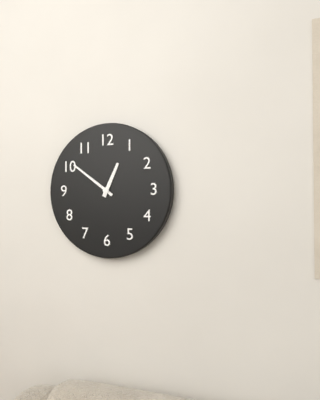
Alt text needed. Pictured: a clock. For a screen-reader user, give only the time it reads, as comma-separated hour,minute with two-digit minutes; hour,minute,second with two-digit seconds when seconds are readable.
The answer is 12,51
